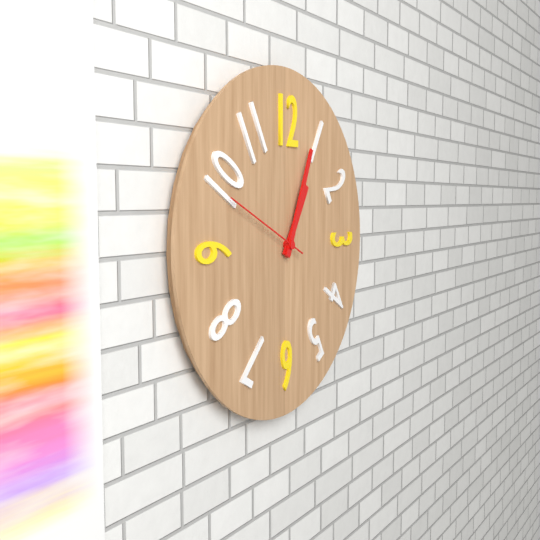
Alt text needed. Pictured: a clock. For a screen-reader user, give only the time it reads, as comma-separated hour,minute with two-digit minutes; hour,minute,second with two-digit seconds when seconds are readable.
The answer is 1,04,49
